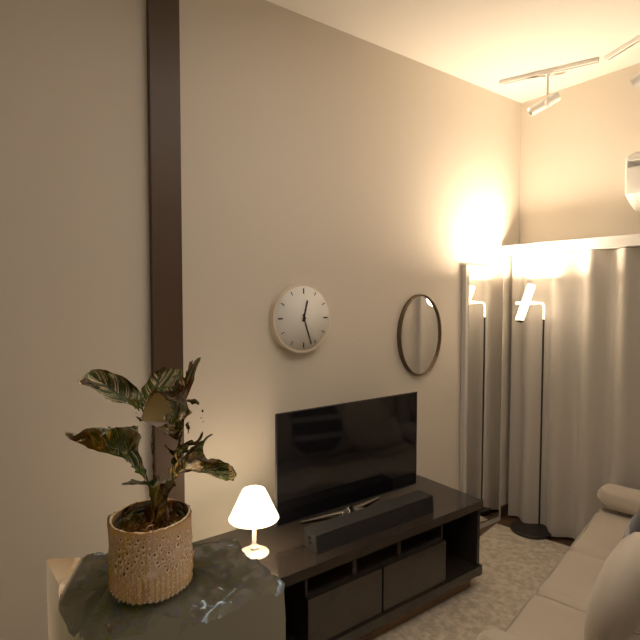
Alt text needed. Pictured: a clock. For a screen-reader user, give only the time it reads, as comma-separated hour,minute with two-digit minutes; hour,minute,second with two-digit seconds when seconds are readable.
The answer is 12,27
